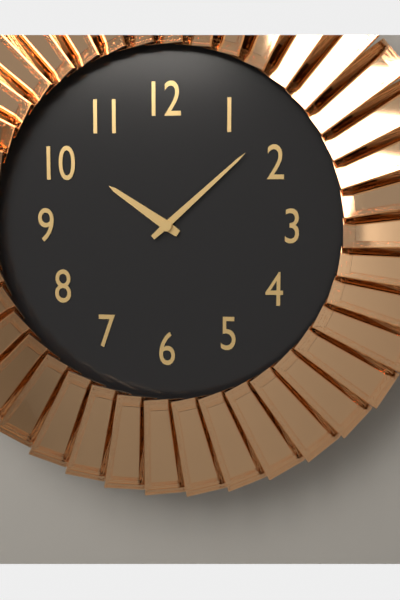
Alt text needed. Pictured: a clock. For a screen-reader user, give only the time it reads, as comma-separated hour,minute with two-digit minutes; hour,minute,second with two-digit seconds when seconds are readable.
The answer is 10,08
